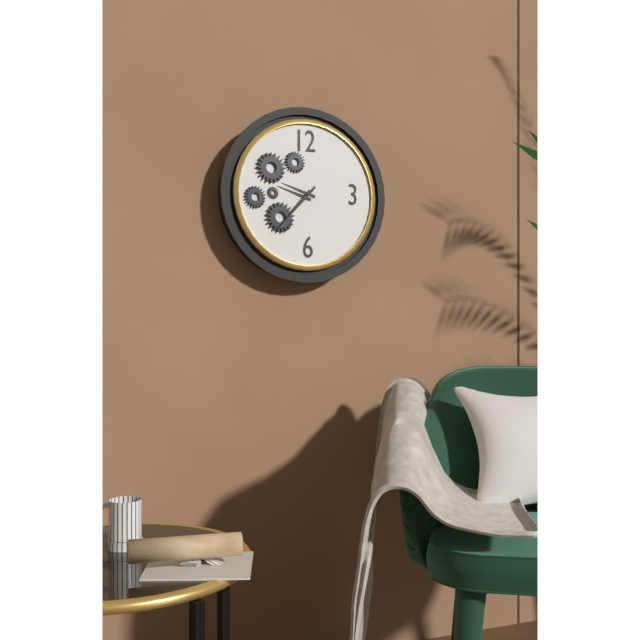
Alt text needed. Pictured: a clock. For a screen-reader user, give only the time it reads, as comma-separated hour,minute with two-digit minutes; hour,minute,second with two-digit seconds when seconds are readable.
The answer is 9,37
